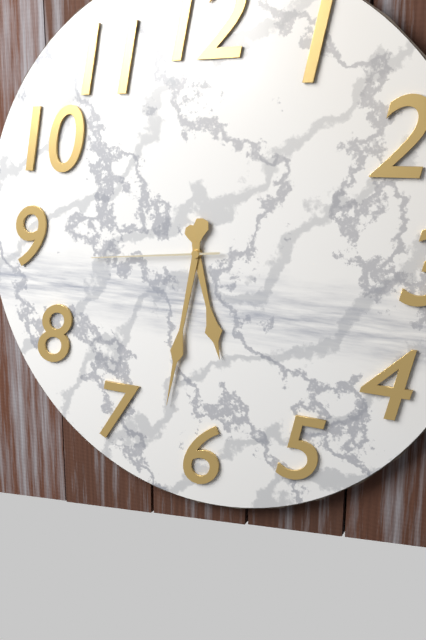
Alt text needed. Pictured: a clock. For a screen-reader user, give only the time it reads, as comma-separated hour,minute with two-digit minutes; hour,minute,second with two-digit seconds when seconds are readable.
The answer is 5,32,44
